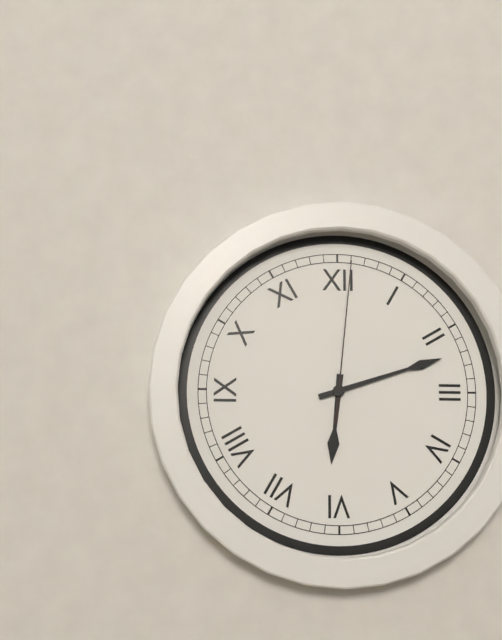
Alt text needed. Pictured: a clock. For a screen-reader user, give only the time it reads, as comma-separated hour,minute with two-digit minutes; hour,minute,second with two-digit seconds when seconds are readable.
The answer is 6,12,01
